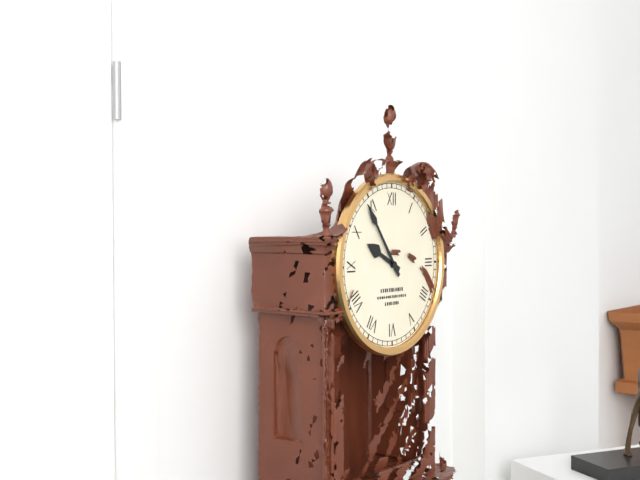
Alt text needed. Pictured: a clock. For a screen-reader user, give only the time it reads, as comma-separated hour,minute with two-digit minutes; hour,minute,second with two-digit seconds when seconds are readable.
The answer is 9,54
